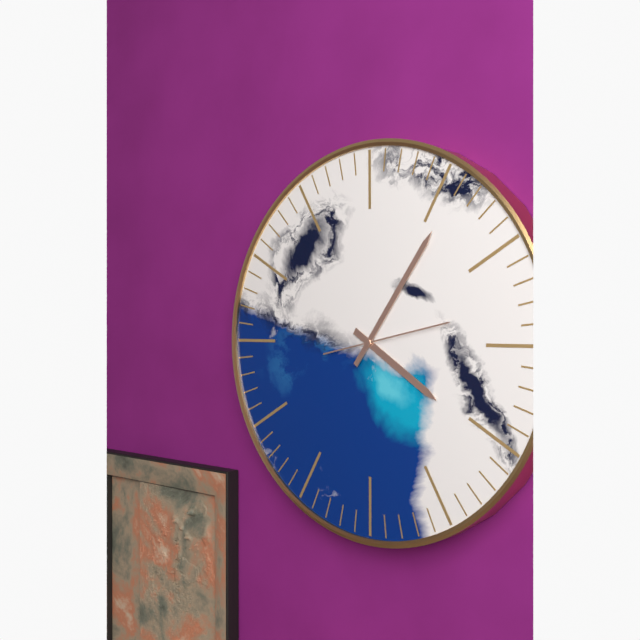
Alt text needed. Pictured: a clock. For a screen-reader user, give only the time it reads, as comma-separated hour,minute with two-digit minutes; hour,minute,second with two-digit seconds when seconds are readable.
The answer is 4,06,13
